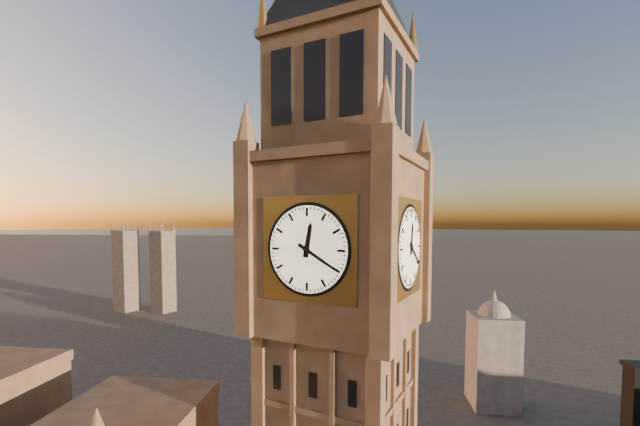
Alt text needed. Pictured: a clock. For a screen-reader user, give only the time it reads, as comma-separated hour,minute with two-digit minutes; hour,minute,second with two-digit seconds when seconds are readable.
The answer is 12,20
